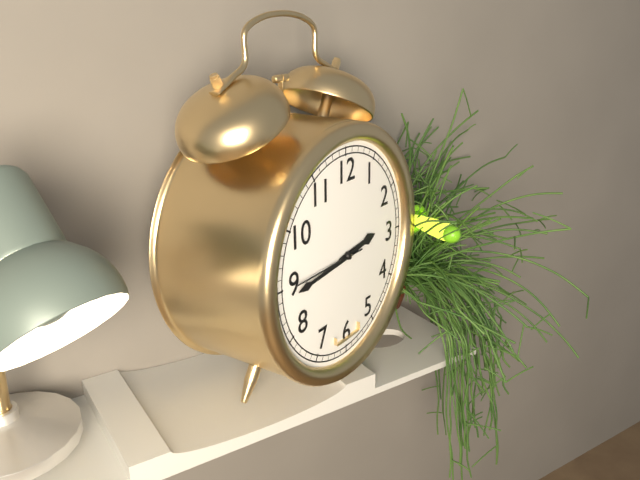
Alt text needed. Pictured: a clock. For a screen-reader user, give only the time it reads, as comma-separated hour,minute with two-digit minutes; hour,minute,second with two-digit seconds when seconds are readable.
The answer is 2,44,45
